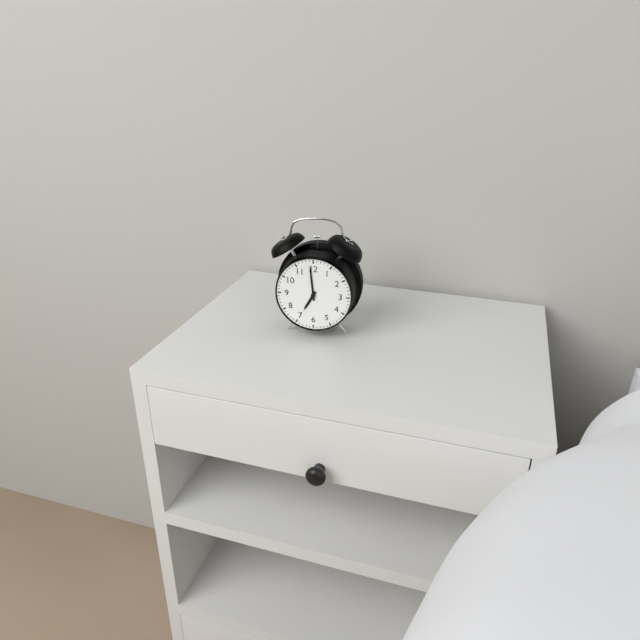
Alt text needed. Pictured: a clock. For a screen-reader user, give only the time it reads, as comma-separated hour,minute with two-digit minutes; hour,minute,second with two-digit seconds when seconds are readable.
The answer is 6,59
